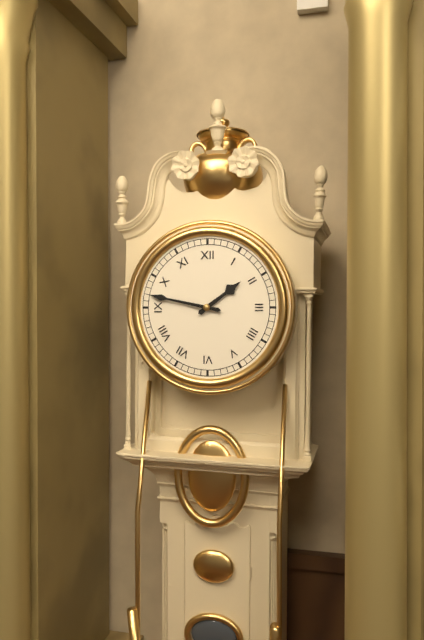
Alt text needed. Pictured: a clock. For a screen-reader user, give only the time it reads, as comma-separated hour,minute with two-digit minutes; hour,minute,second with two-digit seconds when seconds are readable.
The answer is 1,47
